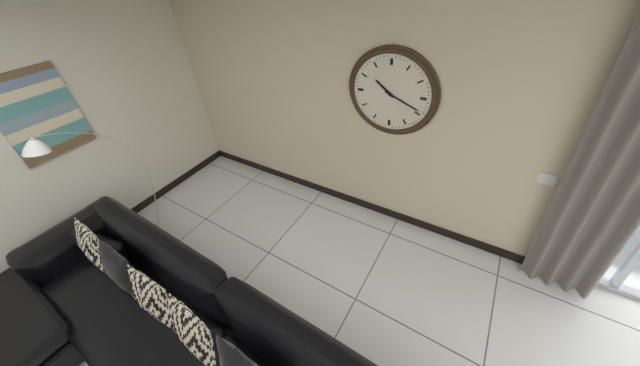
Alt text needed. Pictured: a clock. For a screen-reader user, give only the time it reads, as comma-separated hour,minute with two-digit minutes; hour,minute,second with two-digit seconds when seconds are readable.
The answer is 10,19
